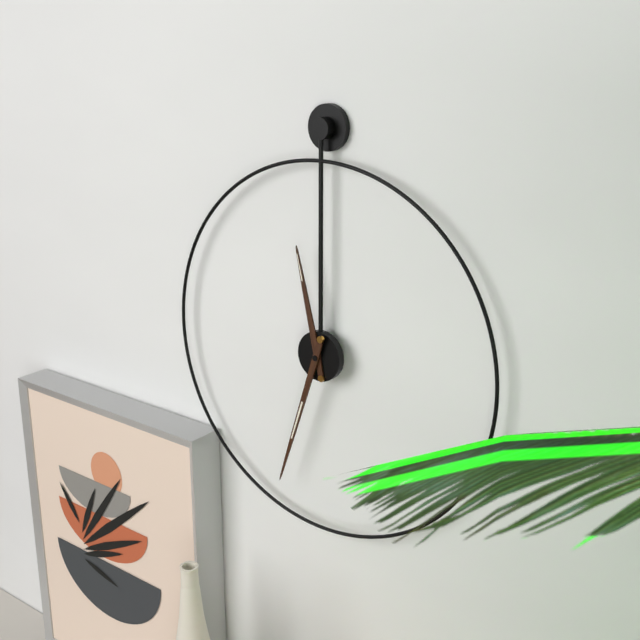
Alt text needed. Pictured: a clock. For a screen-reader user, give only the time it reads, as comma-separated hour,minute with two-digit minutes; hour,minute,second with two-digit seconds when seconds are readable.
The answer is 11,33
